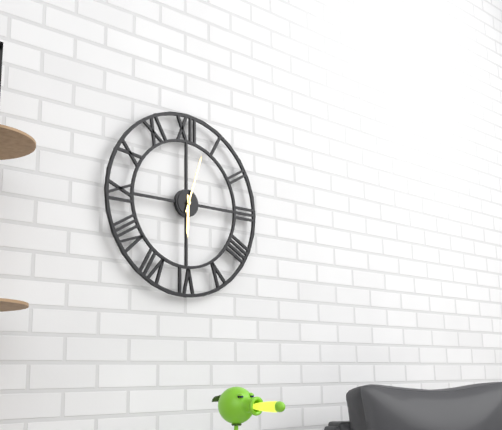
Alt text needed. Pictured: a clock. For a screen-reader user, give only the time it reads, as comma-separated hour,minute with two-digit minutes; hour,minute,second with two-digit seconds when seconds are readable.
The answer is 6,03
